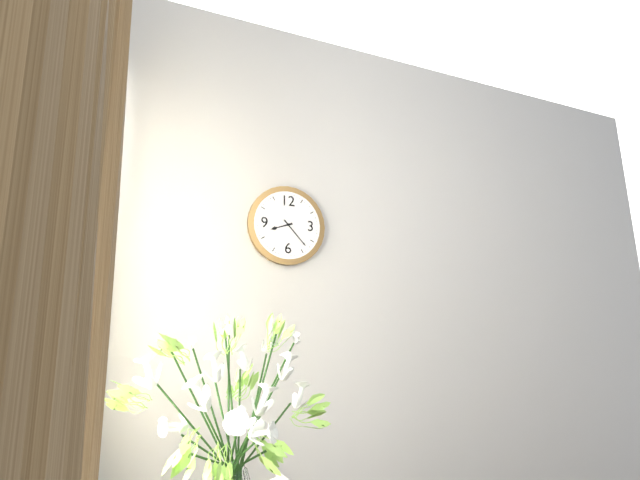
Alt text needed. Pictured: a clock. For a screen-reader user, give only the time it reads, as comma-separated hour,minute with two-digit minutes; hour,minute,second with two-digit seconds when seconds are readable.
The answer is 8,23
